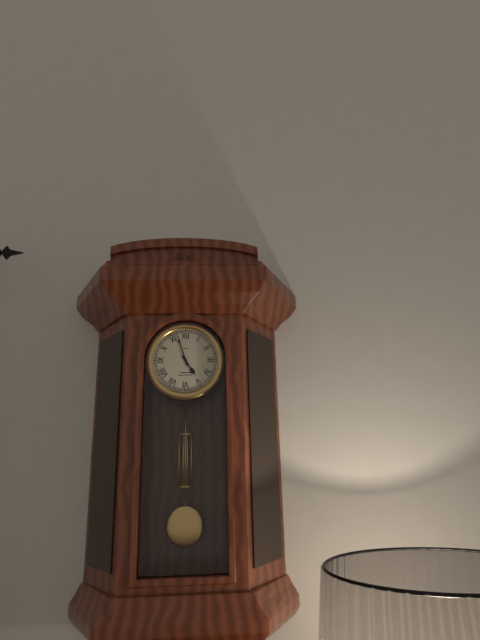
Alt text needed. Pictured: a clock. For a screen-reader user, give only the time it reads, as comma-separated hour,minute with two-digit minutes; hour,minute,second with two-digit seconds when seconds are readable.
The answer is 4,57
